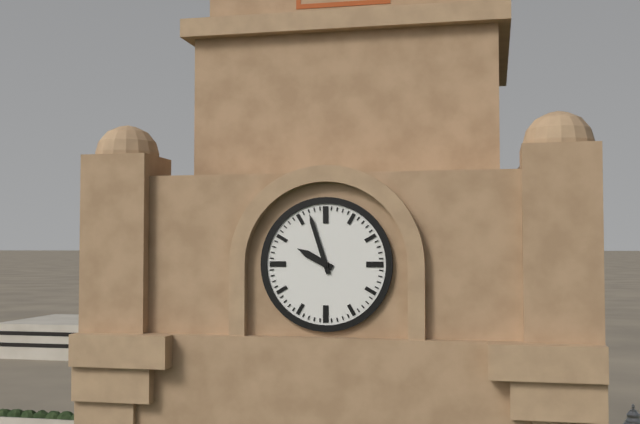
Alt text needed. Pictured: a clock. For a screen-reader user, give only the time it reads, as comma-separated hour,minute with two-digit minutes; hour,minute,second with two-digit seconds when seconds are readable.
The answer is 9,57
